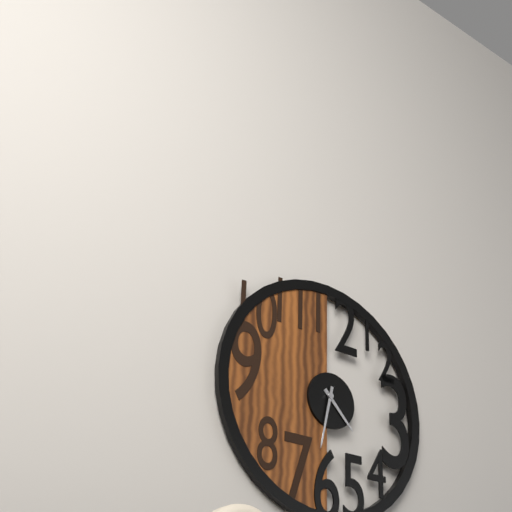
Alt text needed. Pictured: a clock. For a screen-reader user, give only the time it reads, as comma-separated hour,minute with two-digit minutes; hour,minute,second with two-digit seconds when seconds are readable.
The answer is 4,32
